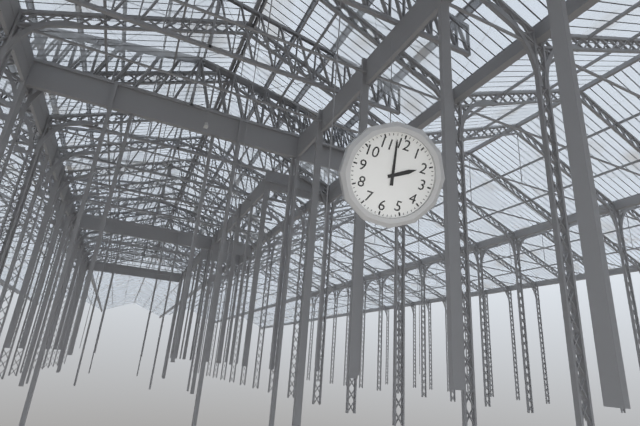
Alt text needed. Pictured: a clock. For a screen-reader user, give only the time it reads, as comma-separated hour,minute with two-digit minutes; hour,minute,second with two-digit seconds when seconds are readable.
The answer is 1,58
